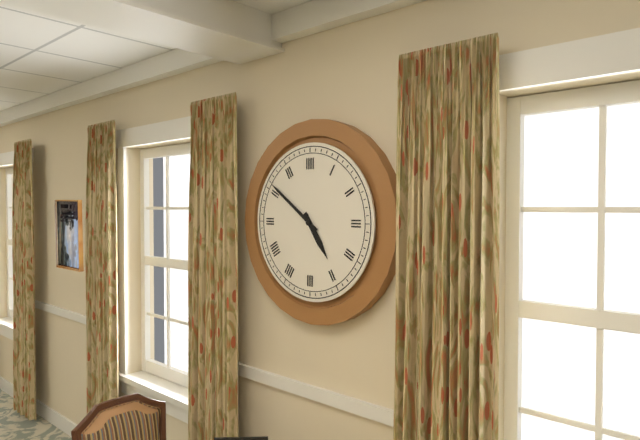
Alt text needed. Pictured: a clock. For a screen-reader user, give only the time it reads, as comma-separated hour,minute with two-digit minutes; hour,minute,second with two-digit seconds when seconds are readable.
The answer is 4,51
